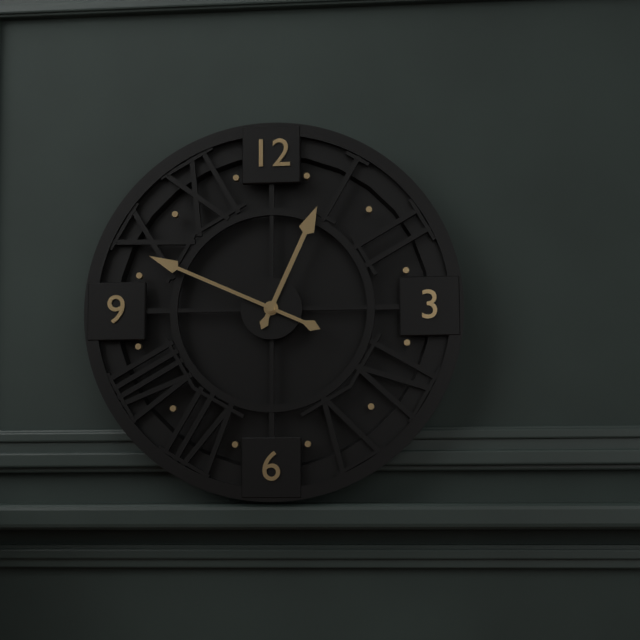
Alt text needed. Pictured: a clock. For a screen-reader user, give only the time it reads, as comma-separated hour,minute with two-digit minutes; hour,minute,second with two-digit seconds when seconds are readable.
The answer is 12,49
